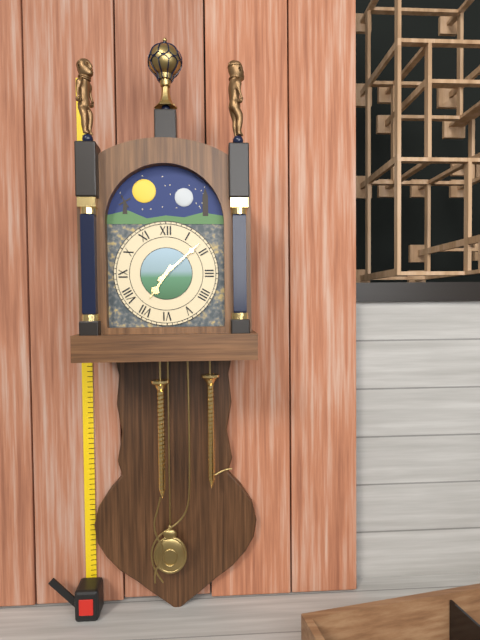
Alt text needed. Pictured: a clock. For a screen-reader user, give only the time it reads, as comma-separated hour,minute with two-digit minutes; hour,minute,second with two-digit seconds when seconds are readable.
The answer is 7,08
